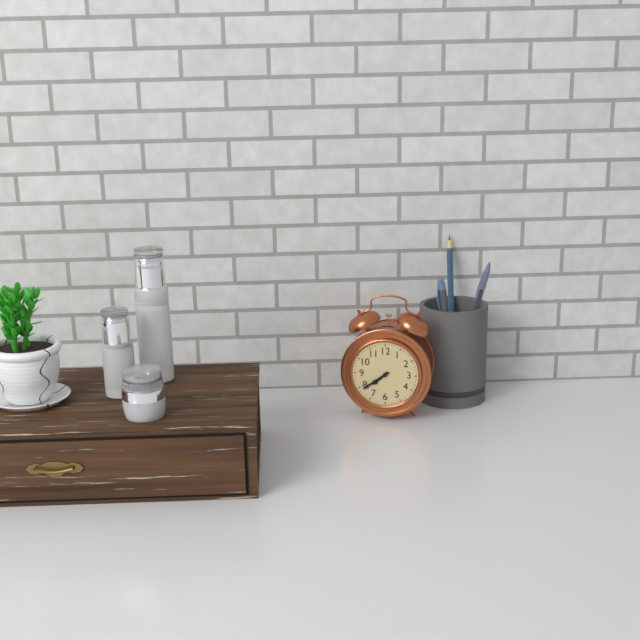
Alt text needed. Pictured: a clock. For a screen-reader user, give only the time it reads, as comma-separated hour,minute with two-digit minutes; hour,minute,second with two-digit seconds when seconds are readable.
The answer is 7,39
